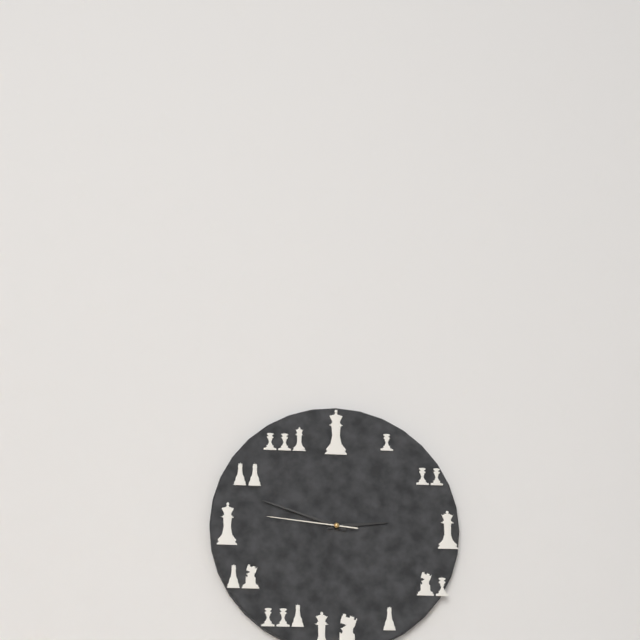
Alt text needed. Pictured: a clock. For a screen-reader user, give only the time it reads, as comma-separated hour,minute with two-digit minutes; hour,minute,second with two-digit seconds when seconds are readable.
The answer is 2,48,46
